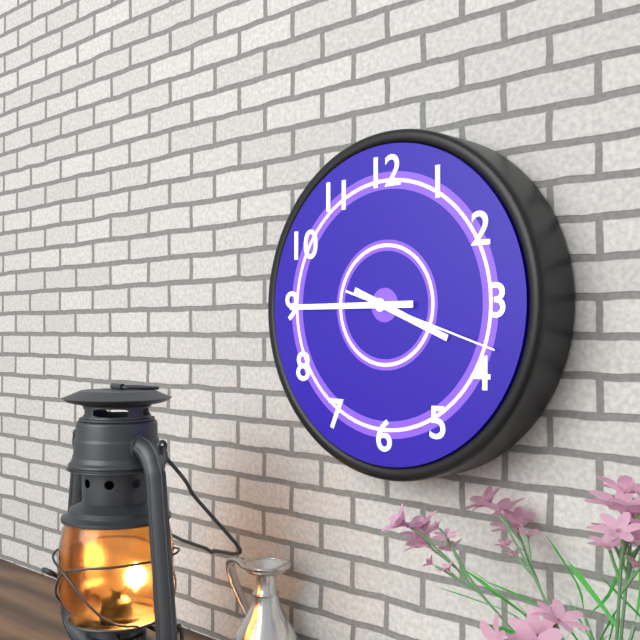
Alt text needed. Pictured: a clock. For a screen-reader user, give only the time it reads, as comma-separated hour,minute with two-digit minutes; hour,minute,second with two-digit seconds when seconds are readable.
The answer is 3,45,18
